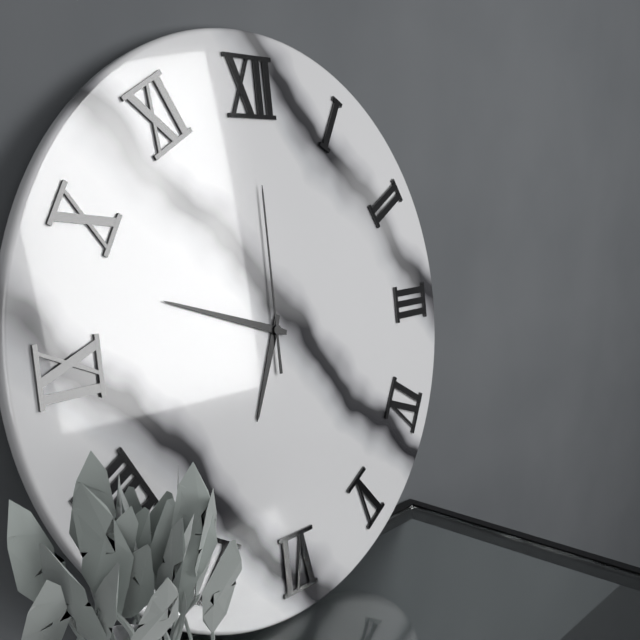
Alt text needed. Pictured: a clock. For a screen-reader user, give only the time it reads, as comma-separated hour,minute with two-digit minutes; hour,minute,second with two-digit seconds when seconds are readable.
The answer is 6,48,00
